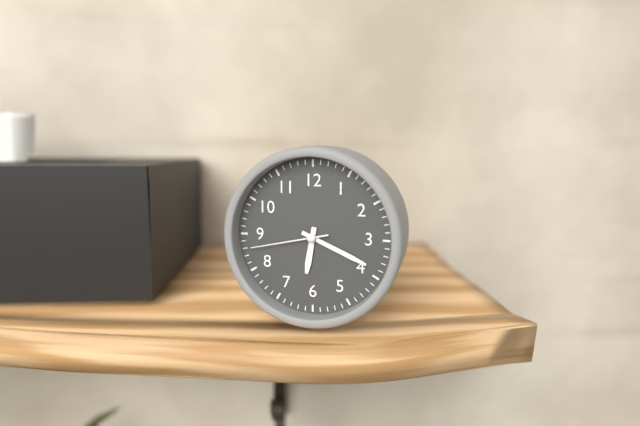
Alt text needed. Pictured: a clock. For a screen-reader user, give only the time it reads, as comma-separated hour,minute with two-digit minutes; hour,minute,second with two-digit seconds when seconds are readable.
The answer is 6,19,43
